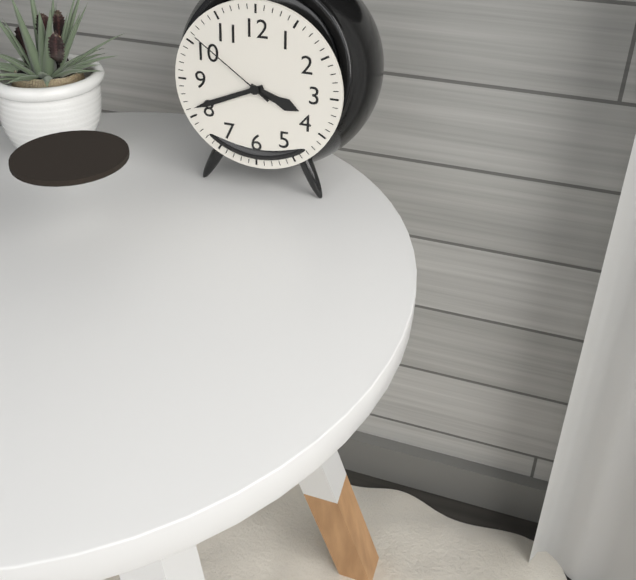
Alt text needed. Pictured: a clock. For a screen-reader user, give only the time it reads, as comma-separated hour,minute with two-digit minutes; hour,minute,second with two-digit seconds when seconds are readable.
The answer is 3,41,51
